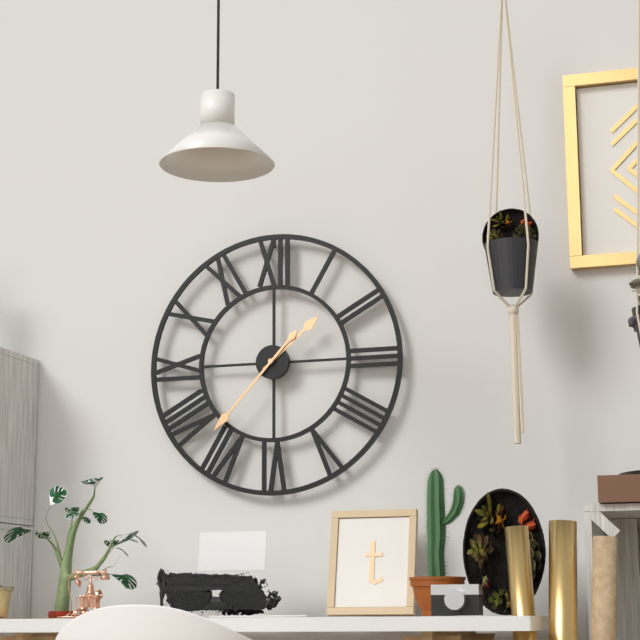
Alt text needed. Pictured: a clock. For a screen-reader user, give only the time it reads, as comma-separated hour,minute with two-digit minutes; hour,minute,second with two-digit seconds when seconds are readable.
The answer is 1,37
